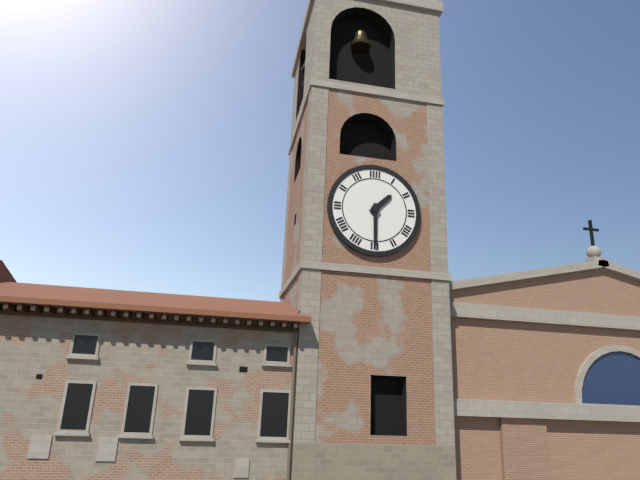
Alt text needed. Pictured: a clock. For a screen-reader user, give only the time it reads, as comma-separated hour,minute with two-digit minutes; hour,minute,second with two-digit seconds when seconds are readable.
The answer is 1,30
